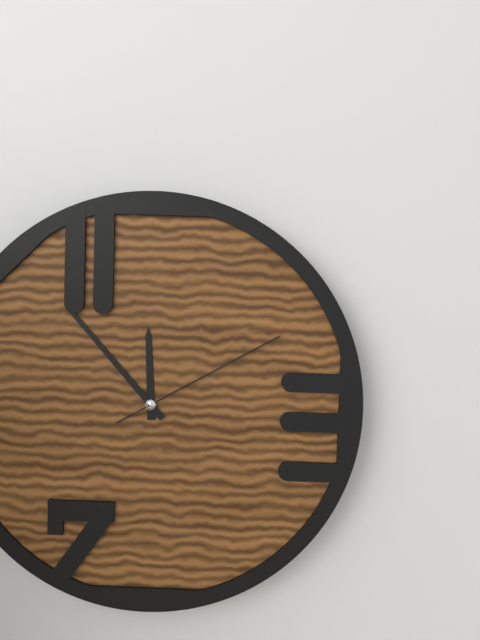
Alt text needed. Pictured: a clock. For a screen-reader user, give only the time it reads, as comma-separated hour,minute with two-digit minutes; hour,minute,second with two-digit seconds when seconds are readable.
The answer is 11,53,10
